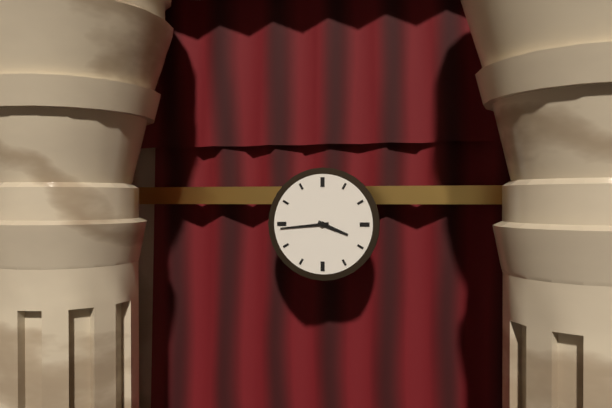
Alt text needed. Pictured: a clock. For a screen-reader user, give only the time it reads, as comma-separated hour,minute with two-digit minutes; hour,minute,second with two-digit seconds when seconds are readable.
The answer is 3,44
